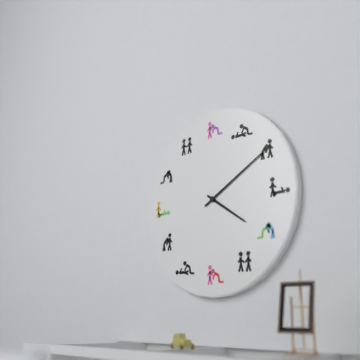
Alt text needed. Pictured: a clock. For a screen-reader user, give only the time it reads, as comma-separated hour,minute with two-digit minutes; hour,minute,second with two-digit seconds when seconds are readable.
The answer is 4,10
